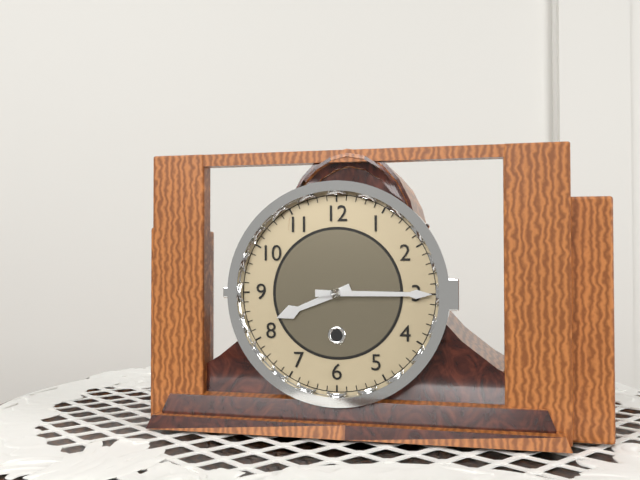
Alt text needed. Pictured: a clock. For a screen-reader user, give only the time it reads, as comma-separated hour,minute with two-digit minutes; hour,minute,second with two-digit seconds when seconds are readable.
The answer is 8,15
